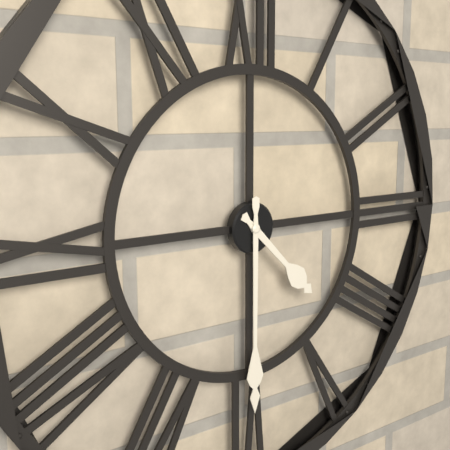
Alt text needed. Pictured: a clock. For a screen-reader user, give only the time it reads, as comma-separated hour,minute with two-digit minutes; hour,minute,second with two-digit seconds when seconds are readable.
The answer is 4,30
